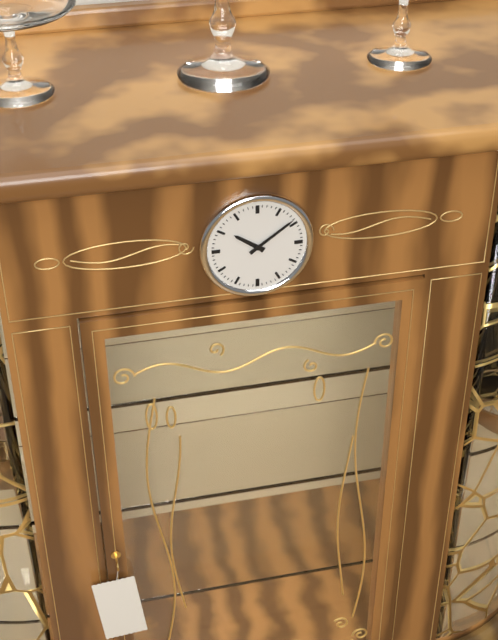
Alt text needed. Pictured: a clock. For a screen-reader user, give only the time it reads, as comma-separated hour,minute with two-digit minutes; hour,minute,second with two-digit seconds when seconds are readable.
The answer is 10,09
